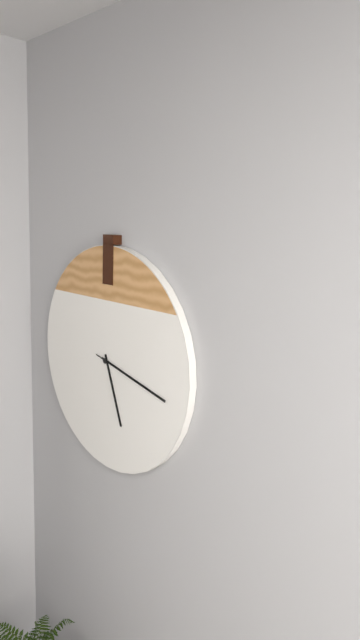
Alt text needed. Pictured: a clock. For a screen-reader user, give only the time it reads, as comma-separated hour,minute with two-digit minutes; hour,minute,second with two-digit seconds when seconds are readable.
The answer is 5,17,17
